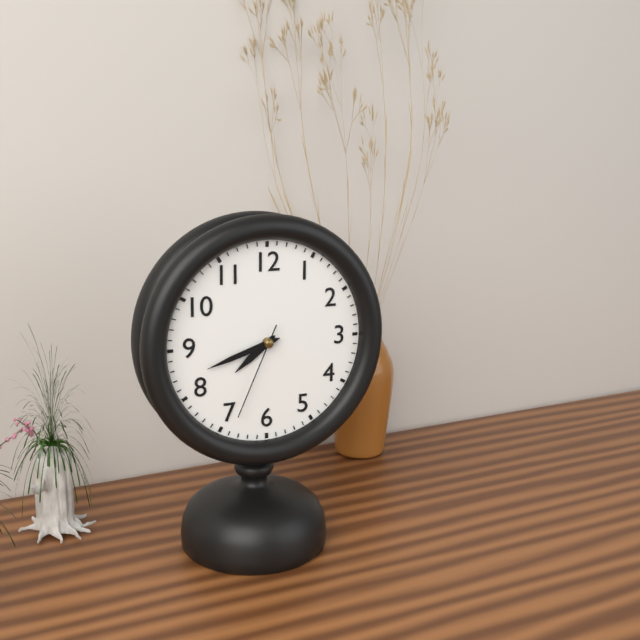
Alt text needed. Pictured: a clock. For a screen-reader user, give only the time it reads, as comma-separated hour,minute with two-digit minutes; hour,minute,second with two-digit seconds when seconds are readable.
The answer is 7,42,34
